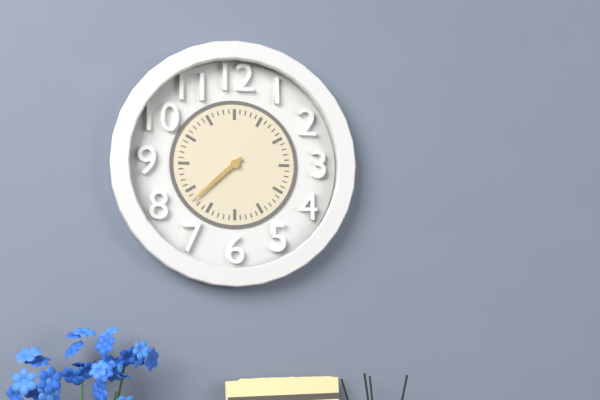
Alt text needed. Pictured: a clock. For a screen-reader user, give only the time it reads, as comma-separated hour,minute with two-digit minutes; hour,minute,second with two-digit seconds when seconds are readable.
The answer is 7,38
